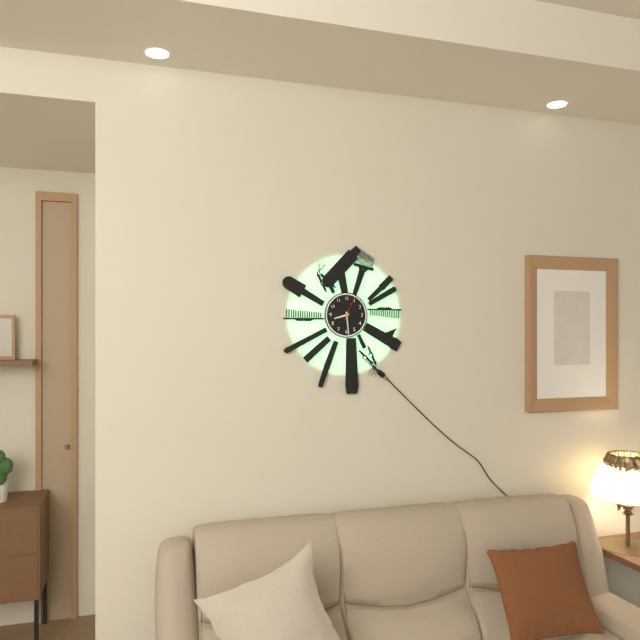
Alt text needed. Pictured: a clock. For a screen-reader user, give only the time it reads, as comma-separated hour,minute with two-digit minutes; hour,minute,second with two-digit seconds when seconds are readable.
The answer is 8,29
